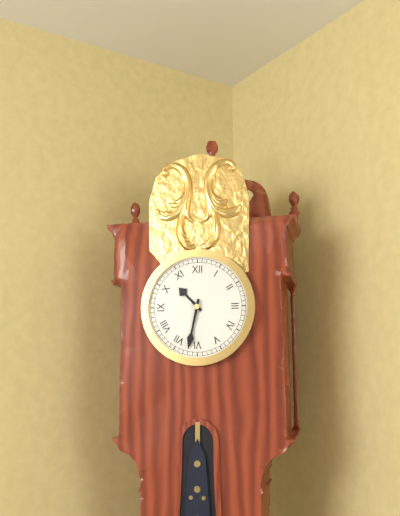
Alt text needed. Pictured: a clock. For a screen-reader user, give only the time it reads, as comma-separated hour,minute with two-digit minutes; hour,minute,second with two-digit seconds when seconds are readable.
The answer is 10,32
